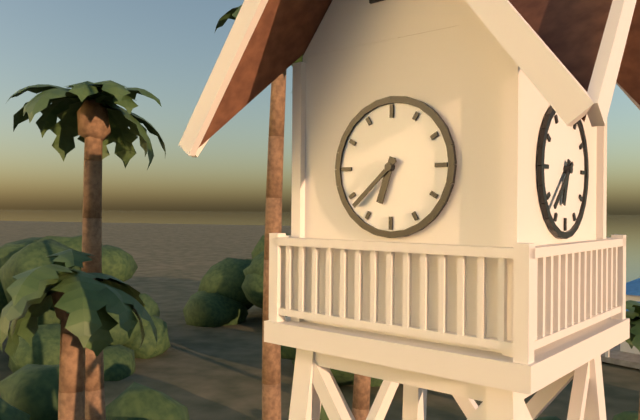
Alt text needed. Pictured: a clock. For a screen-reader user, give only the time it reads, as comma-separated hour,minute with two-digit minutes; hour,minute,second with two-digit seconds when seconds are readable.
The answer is 6,38
